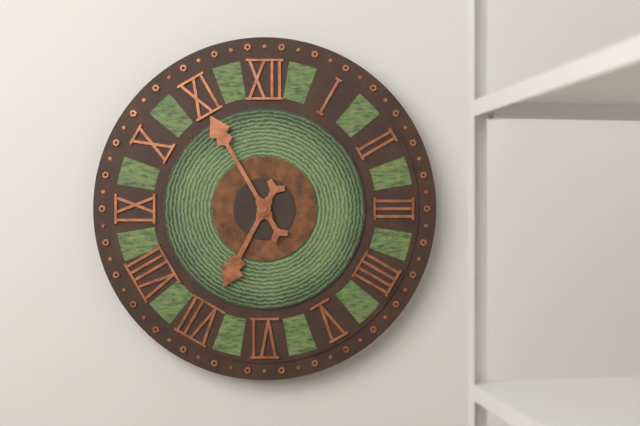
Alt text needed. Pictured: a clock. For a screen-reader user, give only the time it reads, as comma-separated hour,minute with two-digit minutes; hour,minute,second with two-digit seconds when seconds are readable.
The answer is 6,55
